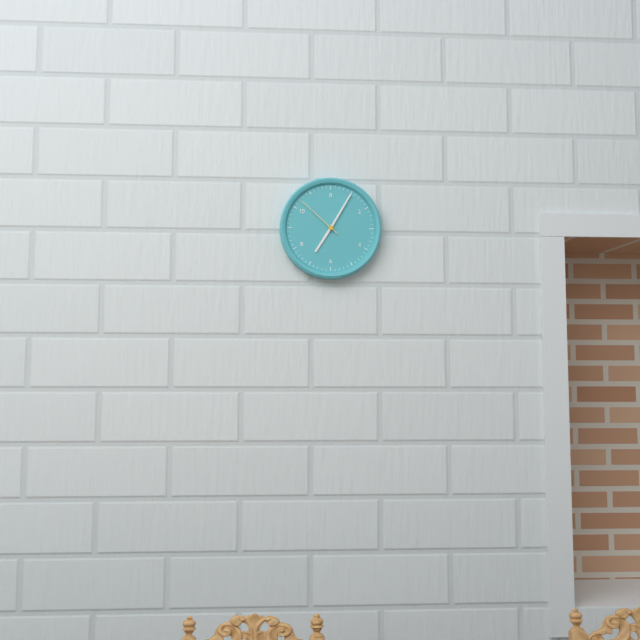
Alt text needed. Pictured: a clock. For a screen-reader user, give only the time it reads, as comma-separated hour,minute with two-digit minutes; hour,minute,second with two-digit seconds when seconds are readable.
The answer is 7,05,52
